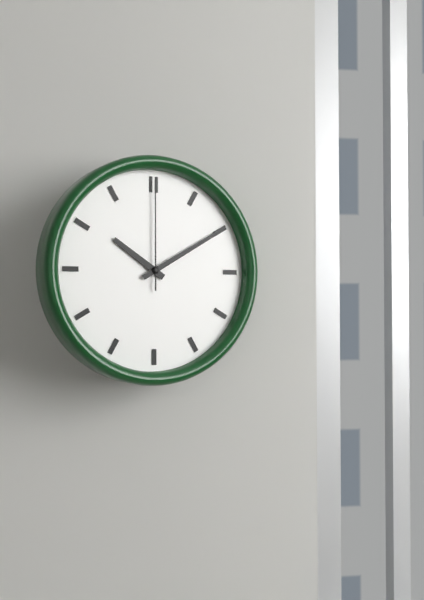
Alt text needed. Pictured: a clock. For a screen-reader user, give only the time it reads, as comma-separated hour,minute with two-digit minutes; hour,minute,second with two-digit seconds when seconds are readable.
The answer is 10,10,00
